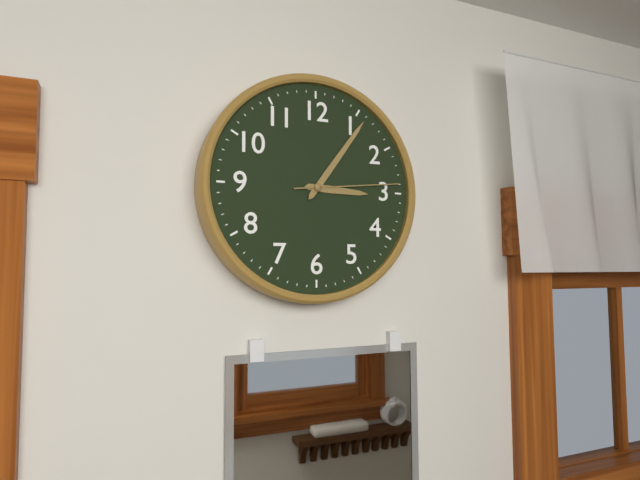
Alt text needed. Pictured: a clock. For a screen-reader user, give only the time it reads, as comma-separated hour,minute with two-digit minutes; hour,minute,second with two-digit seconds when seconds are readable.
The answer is 3,06,14
